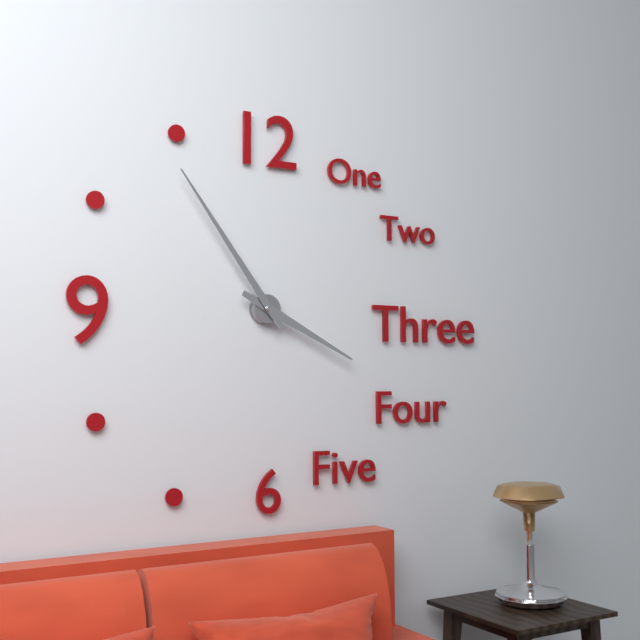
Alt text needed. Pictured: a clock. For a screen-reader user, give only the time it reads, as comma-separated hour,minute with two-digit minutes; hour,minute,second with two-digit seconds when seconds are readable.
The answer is 3,54
